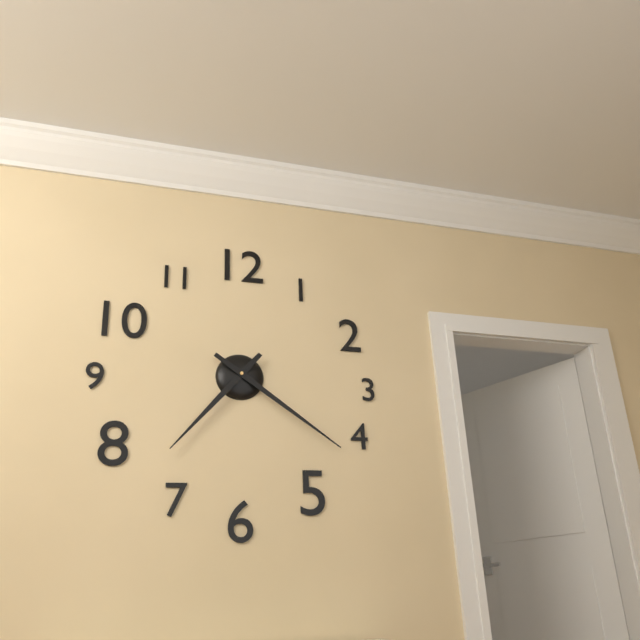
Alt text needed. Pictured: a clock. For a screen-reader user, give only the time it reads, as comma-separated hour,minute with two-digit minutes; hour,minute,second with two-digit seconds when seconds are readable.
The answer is 7,21
